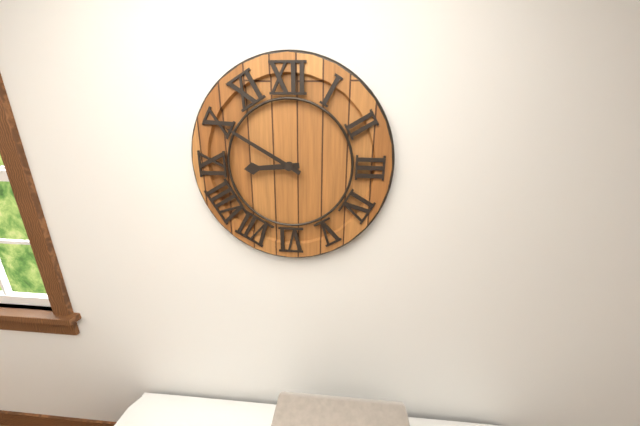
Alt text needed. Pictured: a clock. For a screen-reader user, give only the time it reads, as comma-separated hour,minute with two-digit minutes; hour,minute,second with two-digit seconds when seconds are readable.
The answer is 8,50
